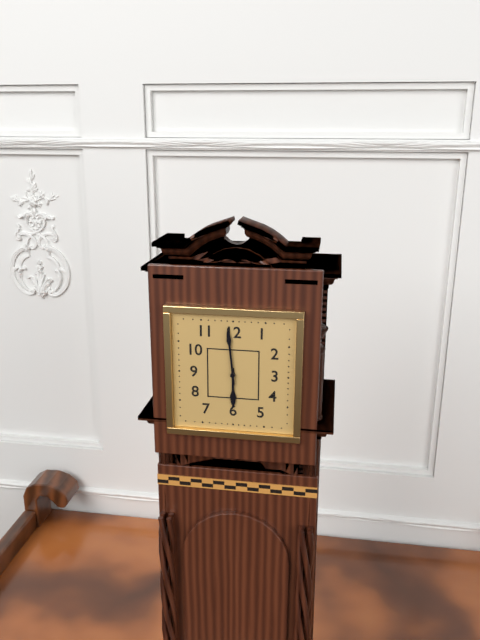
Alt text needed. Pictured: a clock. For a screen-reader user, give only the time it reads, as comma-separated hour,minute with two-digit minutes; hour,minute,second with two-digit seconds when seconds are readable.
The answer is 5,59
